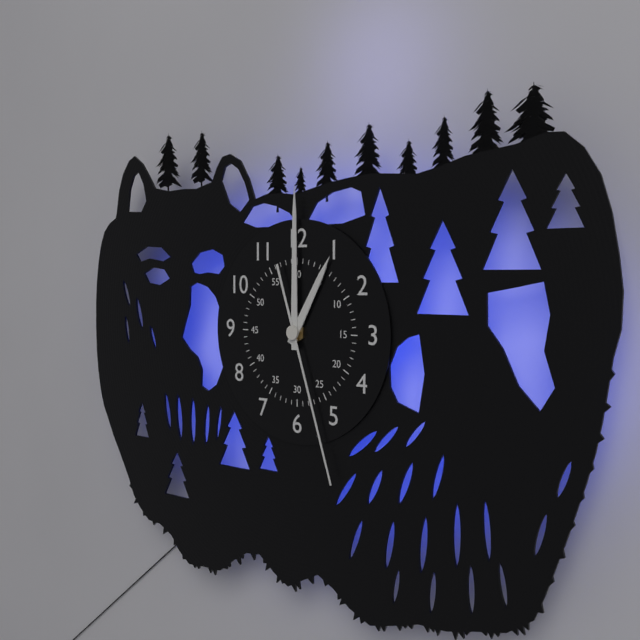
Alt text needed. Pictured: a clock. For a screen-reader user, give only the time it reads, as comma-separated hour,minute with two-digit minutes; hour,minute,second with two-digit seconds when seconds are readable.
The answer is 1,00,27
